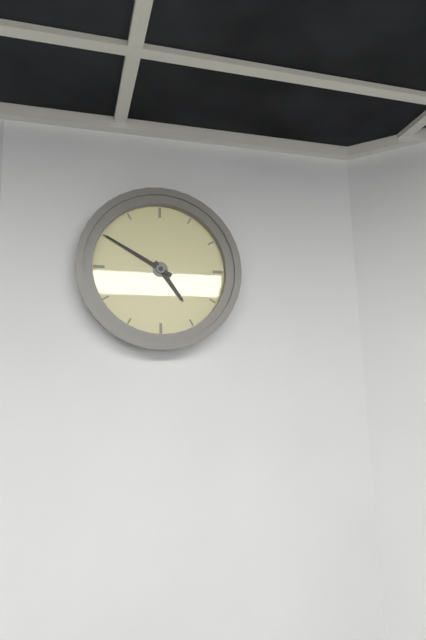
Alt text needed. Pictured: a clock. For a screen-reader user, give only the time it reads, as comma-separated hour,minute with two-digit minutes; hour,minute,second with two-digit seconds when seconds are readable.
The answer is 4,50
